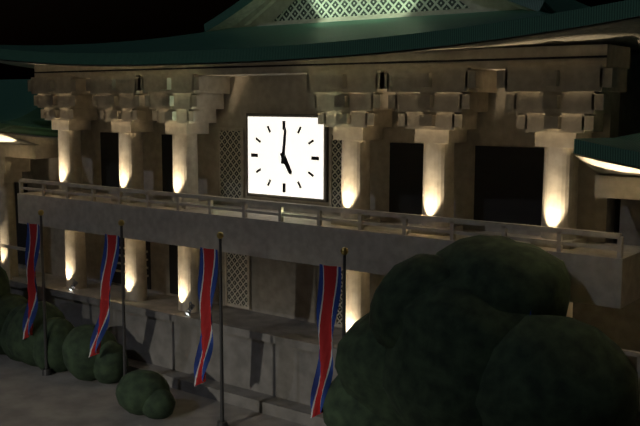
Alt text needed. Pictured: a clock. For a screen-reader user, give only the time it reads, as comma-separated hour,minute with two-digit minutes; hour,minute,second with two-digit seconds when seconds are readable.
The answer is 5,01
